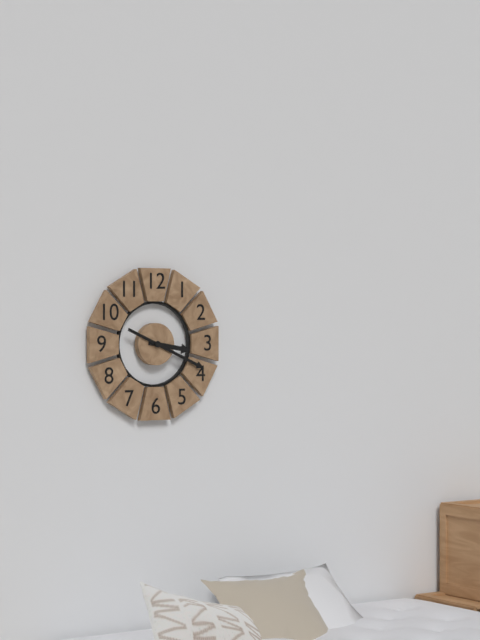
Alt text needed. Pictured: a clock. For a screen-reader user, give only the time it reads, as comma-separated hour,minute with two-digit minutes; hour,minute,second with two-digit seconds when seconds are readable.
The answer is 3,19
